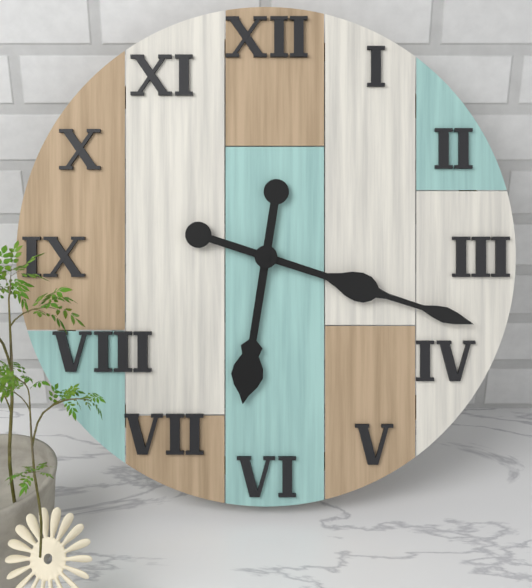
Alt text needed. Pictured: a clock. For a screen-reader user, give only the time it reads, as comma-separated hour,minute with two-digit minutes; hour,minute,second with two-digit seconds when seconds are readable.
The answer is 6,18
